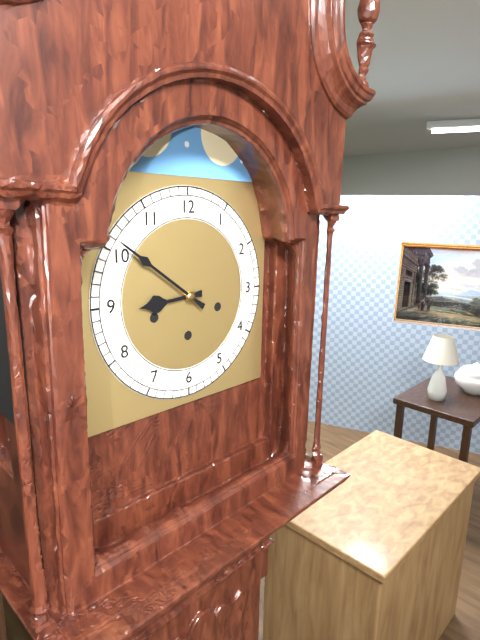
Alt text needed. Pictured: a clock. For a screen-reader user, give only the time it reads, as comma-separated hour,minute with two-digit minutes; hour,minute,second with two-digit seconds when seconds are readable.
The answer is 8,51
